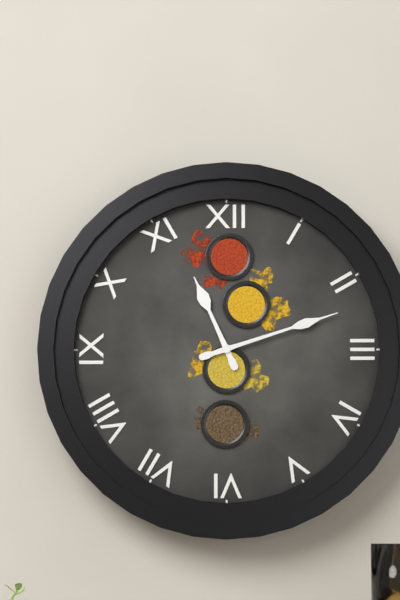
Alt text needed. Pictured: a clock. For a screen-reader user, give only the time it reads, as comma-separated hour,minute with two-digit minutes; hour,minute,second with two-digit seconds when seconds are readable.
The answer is 11,12
